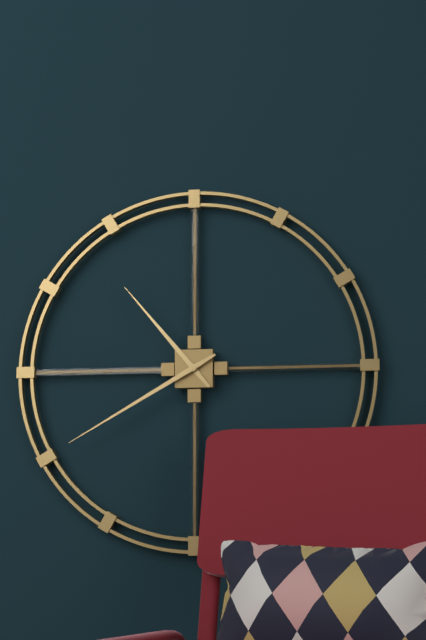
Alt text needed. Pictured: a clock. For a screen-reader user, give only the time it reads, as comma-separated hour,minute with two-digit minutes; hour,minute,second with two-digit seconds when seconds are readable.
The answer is 10,40
